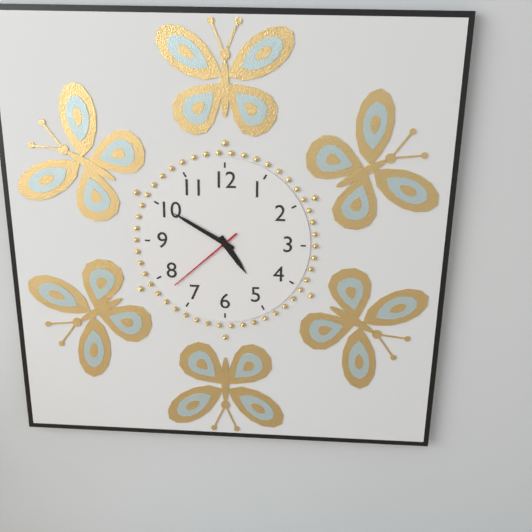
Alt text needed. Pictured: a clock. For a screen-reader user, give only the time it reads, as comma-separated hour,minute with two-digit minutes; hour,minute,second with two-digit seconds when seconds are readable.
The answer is 4,50,38
